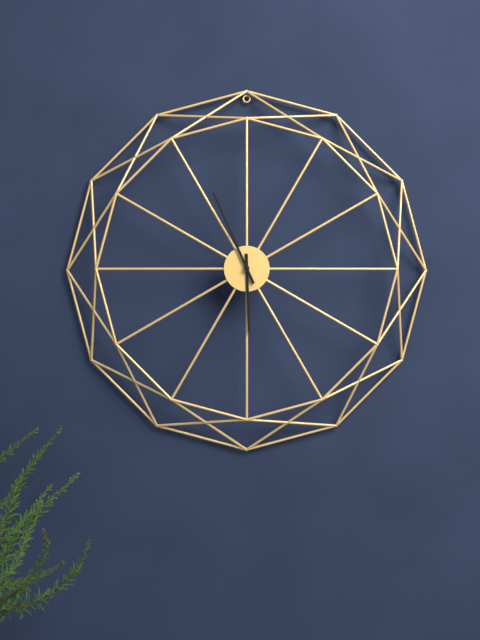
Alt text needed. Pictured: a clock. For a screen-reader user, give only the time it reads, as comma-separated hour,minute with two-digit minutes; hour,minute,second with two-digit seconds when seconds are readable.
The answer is 5,56
